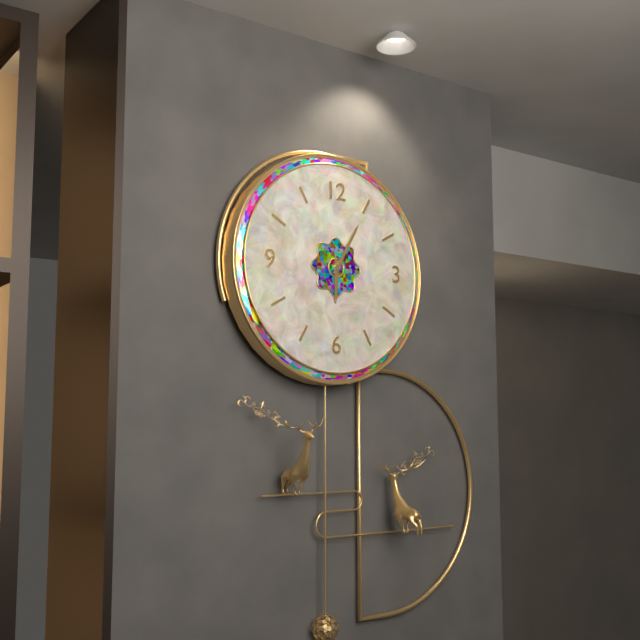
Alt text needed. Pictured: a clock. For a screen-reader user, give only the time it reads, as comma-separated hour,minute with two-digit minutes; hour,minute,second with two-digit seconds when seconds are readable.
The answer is 6,05
